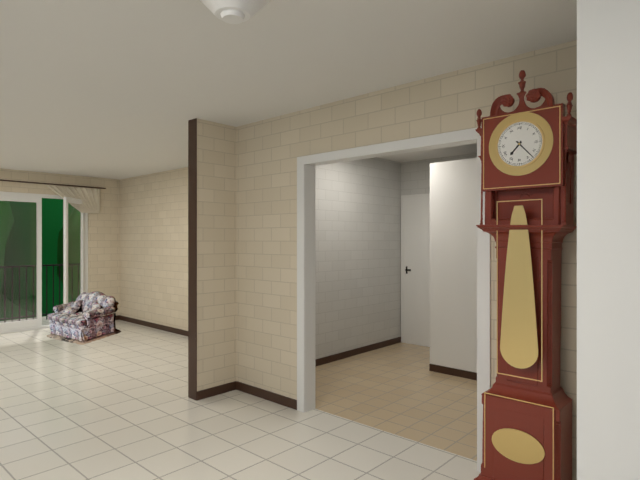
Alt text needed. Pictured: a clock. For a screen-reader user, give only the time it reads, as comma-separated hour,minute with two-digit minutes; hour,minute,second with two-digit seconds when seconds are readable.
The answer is 7,23
